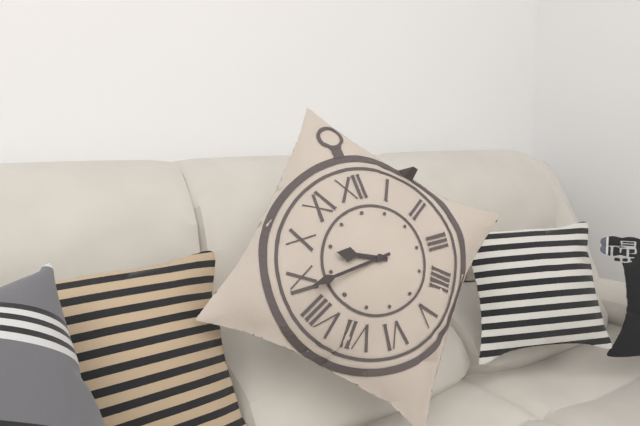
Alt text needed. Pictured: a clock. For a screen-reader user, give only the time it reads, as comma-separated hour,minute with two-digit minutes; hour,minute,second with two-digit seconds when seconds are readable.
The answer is 9,44
